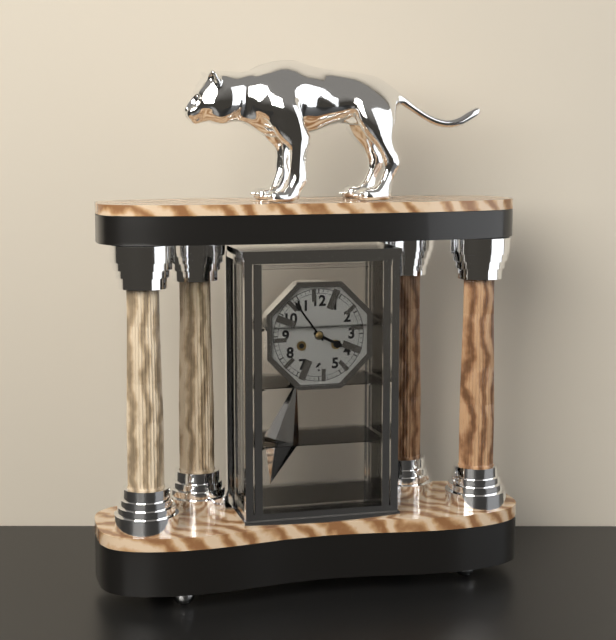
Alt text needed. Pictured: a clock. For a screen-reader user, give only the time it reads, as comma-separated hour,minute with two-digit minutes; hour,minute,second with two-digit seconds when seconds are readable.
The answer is 3,54
